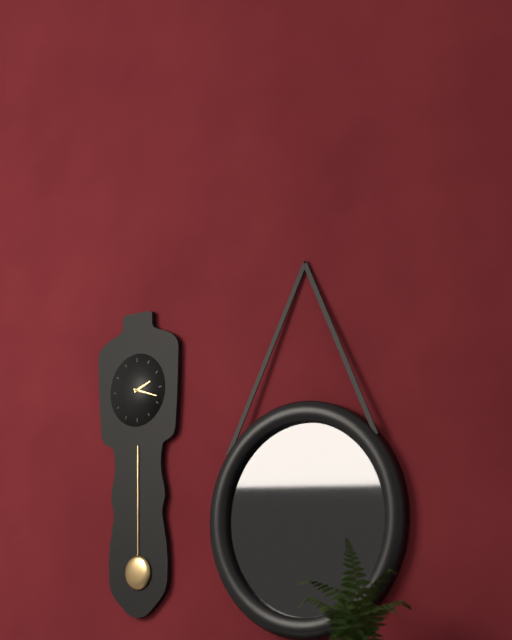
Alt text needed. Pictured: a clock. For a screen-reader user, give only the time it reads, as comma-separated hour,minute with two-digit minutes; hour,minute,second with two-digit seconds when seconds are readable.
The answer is 2,18
